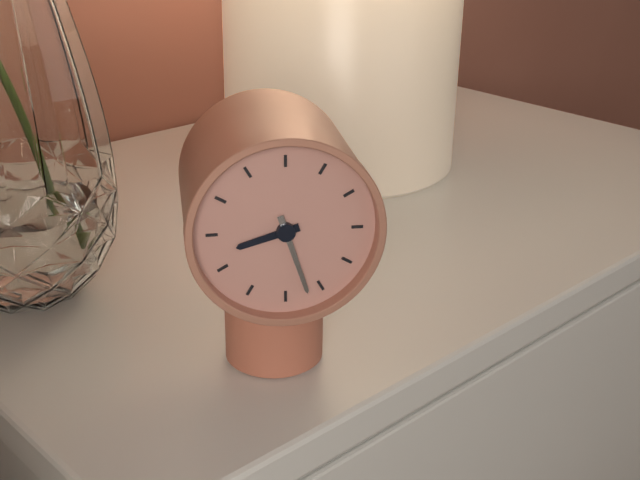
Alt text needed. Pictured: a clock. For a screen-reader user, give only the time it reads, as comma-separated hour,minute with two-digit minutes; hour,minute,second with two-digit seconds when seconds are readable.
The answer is 8,27
